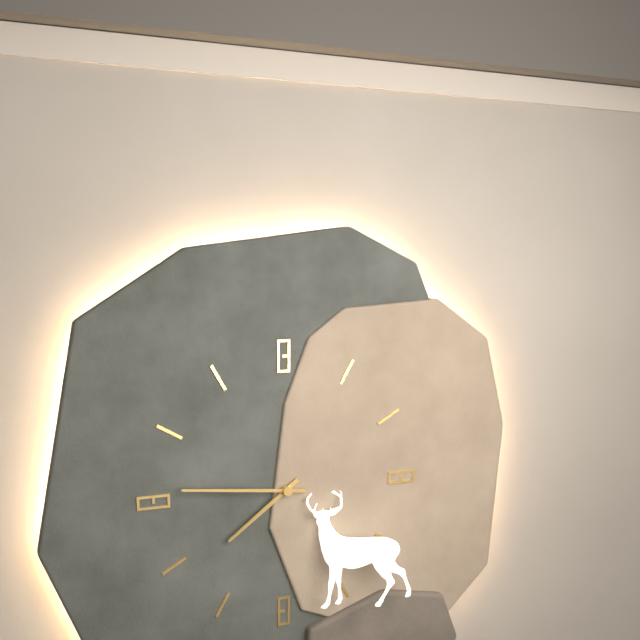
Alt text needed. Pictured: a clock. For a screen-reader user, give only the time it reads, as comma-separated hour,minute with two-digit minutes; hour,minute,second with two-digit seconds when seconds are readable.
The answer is 7,46
